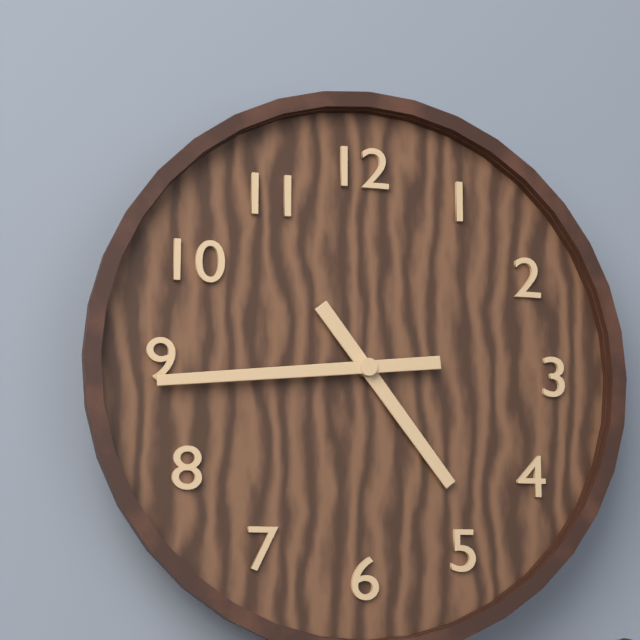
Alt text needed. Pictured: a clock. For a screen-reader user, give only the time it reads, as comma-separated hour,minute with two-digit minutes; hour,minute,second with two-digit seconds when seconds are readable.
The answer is 4,44
